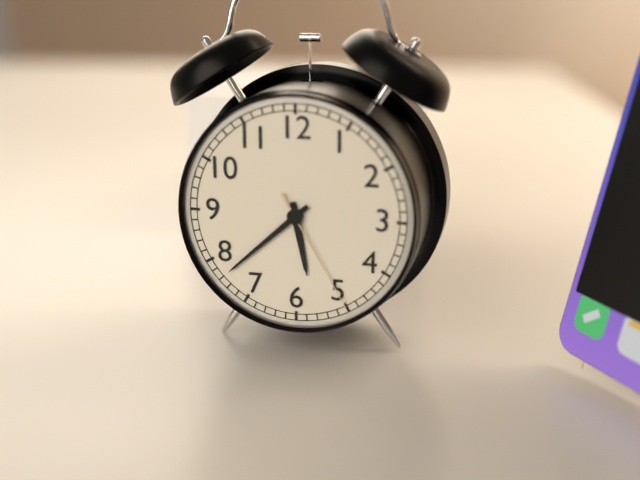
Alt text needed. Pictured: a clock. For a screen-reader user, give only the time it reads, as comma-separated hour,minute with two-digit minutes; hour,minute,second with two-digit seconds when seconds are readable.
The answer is 5,38,25
